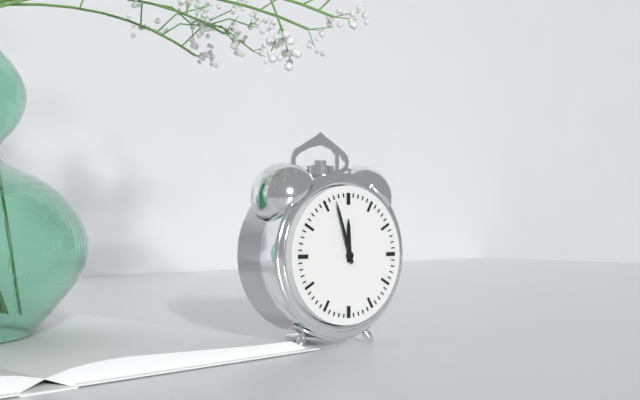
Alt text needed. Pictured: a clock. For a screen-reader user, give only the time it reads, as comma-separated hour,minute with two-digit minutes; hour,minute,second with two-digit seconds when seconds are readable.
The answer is 11,57
